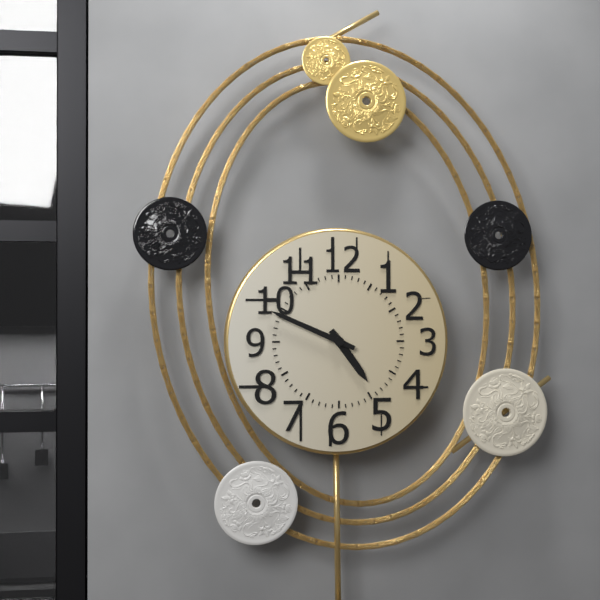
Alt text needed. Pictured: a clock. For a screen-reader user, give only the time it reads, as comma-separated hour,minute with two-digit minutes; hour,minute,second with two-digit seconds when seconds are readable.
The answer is 4,49
